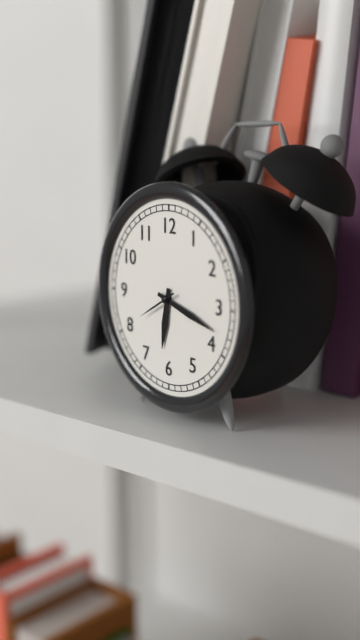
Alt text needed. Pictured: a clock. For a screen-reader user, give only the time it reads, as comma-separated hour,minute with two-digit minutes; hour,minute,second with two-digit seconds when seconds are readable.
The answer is 6,18
